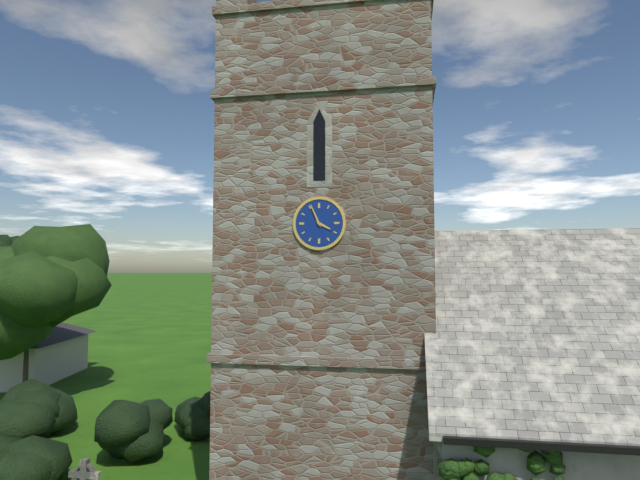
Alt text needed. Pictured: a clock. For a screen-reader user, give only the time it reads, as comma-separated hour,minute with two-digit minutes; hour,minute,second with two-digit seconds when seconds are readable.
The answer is 3,56
